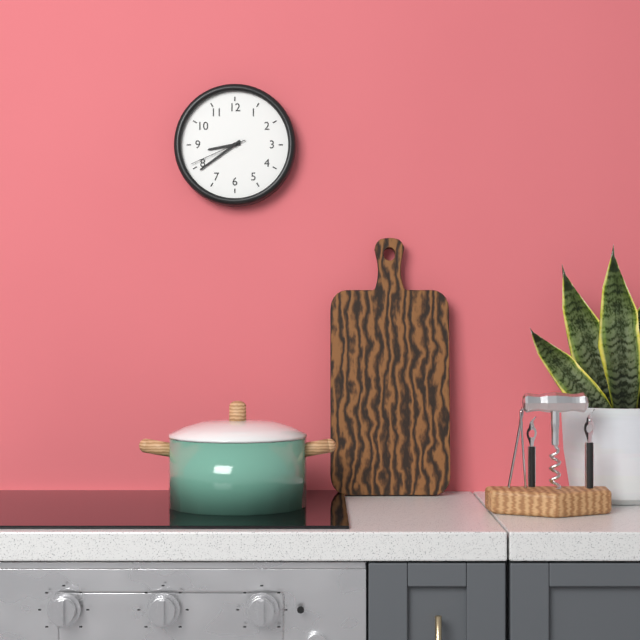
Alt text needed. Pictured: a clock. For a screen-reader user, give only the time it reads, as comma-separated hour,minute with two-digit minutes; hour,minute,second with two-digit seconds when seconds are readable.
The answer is 8,39,41
